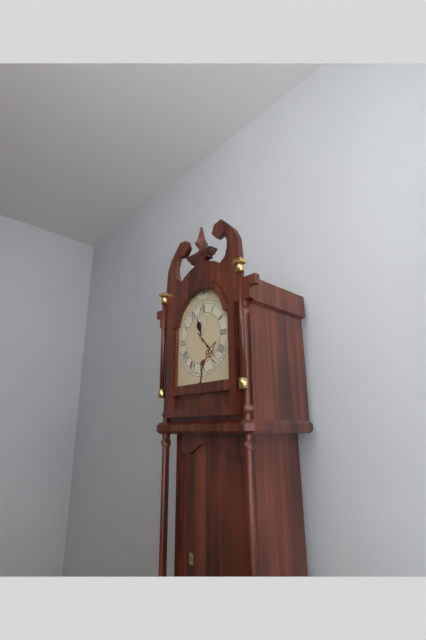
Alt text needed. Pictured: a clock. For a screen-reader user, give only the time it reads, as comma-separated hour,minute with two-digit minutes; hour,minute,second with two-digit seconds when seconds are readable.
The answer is 11,23
